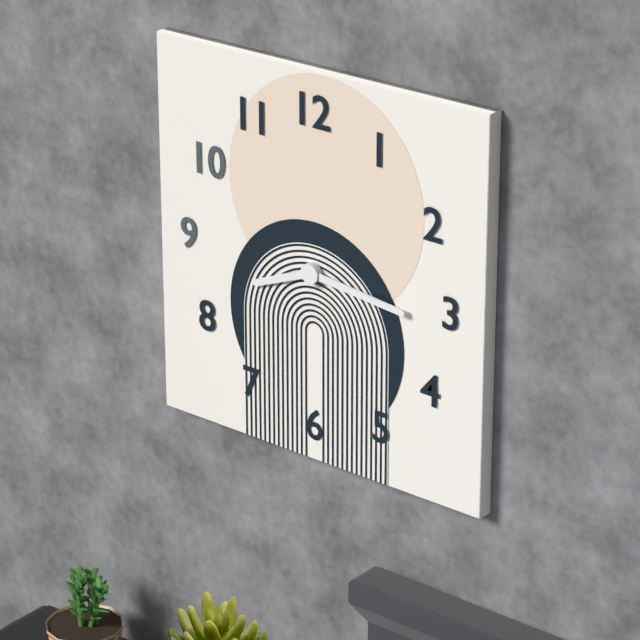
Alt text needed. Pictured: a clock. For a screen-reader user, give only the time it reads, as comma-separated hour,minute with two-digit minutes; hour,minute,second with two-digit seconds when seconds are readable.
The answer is 8,16
